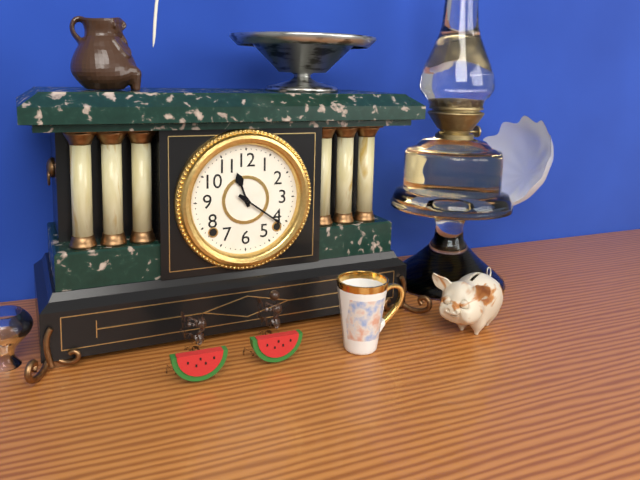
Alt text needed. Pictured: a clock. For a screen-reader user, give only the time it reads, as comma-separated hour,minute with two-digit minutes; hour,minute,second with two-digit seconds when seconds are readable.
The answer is 11,21
